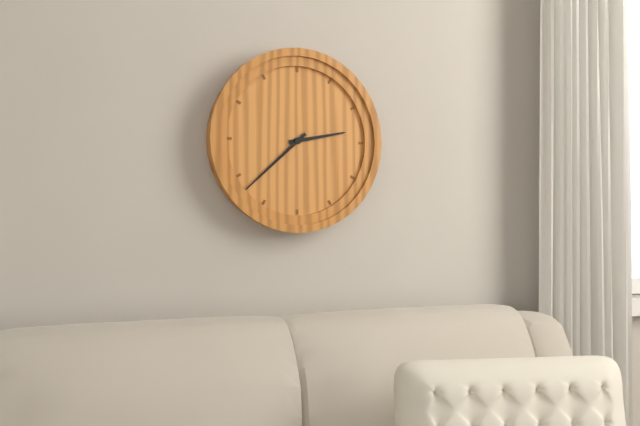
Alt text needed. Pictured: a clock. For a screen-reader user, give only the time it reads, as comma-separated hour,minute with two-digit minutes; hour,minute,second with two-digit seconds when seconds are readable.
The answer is 2,38
